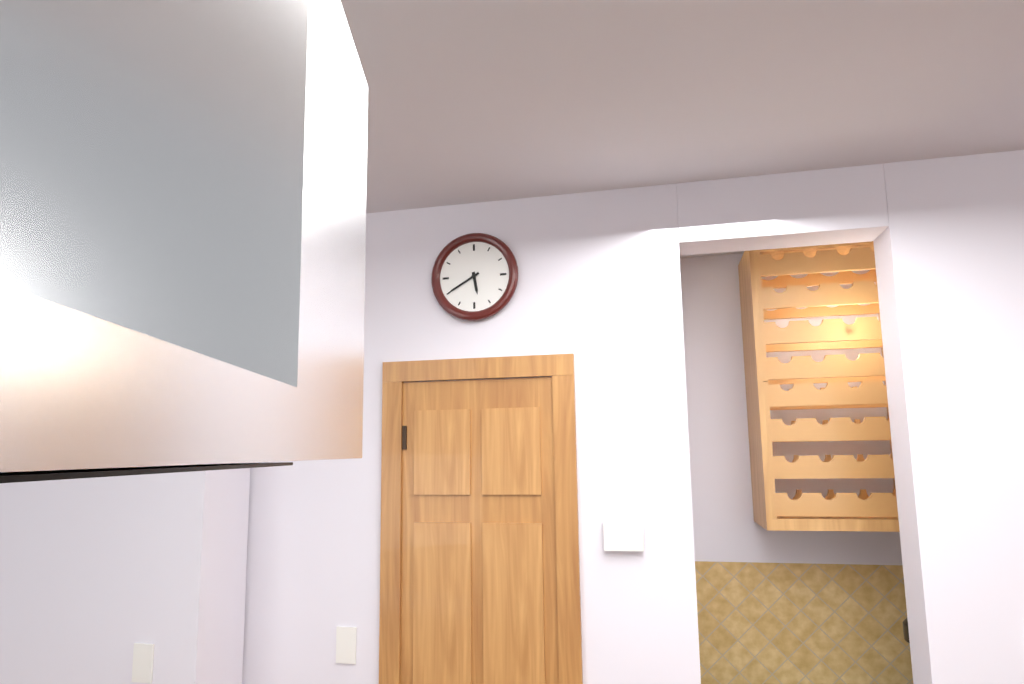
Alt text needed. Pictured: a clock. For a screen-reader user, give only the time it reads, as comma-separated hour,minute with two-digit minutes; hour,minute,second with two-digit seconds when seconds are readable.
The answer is 5,40
